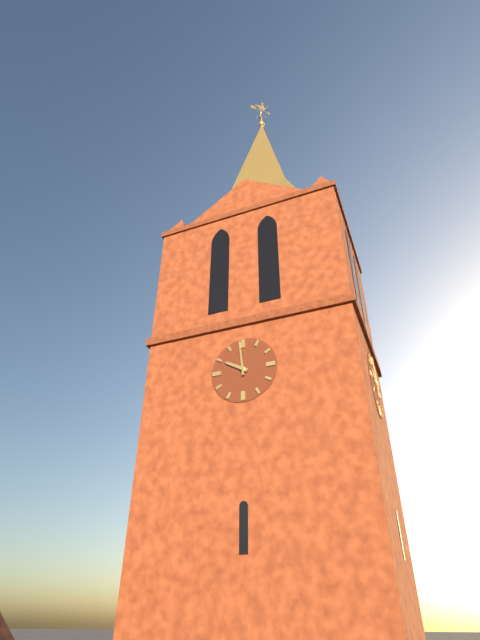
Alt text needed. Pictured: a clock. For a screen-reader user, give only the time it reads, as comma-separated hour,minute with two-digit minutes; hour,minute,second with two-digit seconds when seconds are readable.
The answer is 9,59
